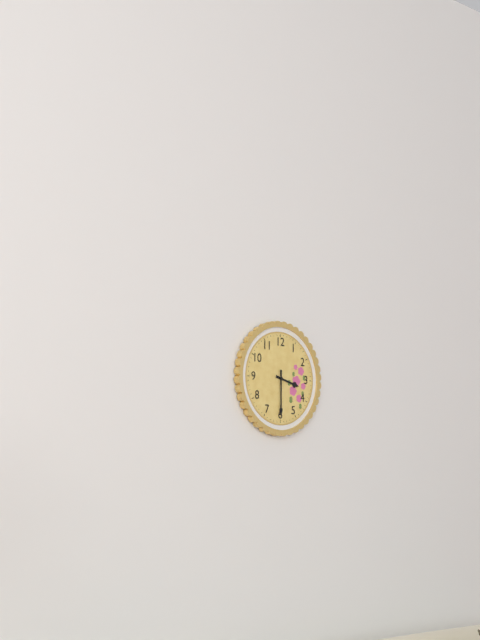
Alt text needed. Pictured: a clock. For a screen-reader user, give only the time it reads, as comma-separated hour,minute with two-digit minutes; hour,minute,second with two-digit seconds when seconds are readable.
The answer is 3,30
